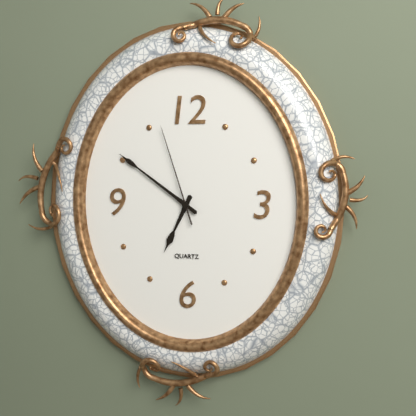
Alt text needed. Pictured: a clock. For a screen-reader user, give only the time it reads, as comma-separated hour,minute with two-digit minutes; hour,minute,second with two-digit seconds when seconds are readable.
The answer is 6,51,57
